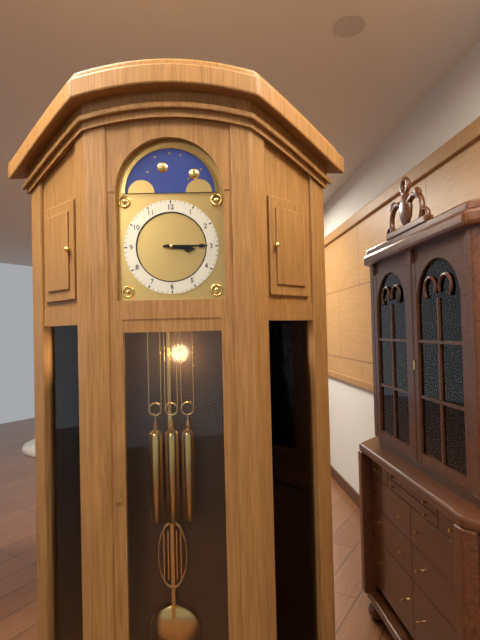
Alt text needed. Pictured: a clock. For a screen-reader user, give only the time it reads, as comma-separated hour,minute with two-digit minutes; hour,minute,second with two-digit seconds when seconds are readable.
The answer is 3,15
